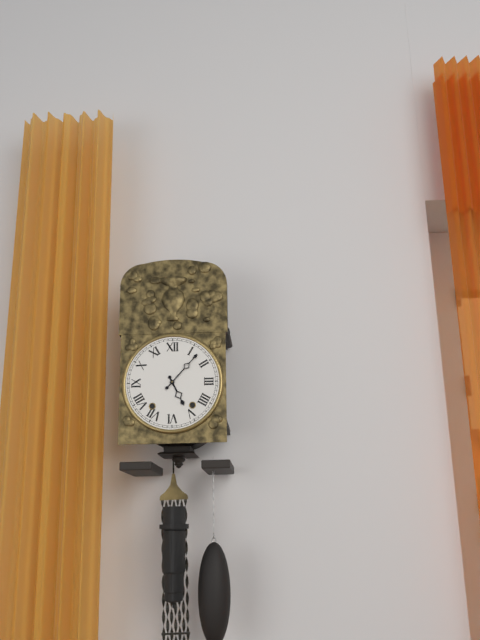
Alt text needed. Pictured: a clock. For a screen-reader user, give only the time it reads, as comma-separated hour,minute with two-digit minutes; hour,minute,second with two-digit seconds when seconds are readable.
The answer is 5,07
